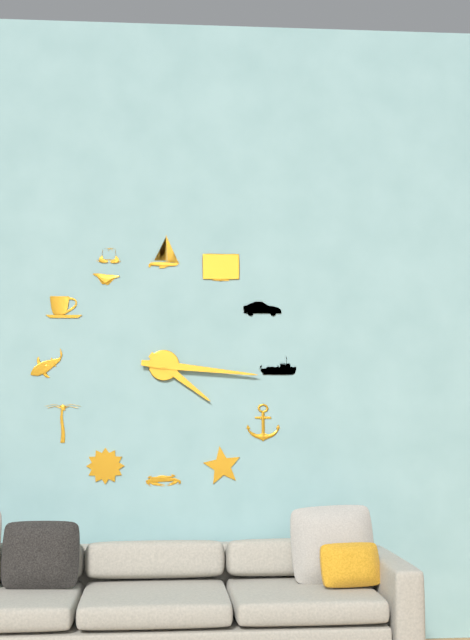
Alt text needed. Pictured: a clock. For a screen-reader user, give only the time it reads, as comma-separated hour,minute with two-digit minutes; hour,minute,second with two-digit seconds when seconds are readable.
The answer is 4,16
